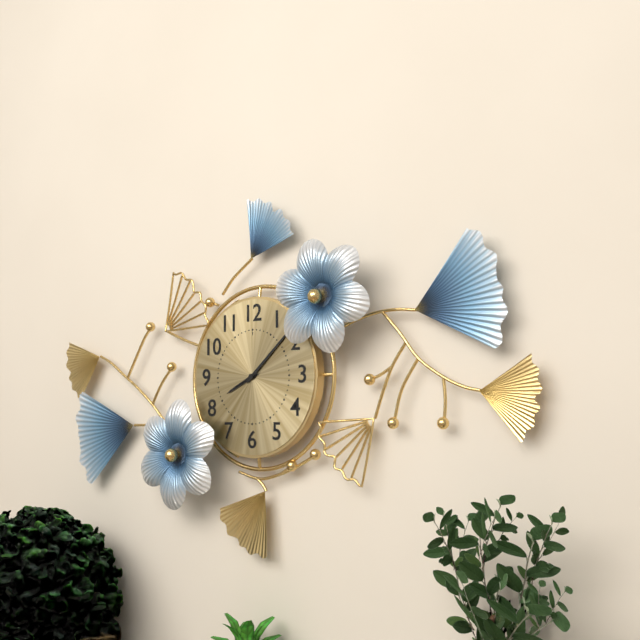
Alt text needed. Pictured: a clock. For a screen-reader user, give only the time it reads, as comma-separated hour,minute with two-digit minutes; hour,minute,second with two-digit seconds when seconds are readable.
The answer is 8,08
